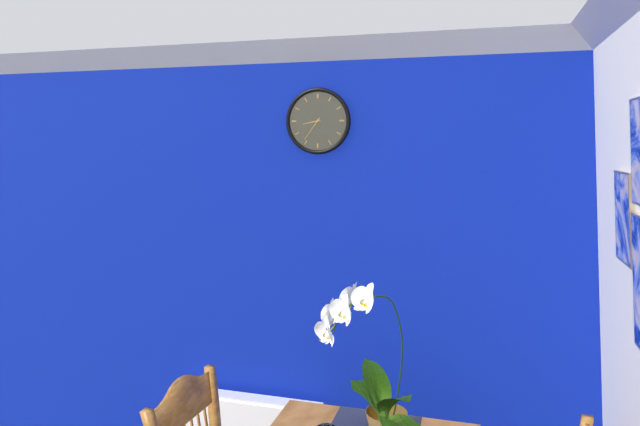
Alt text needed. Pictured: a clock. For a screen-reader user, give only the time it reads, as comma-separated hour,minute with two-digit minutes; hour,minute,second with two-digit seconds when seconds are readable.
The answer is 8,36
